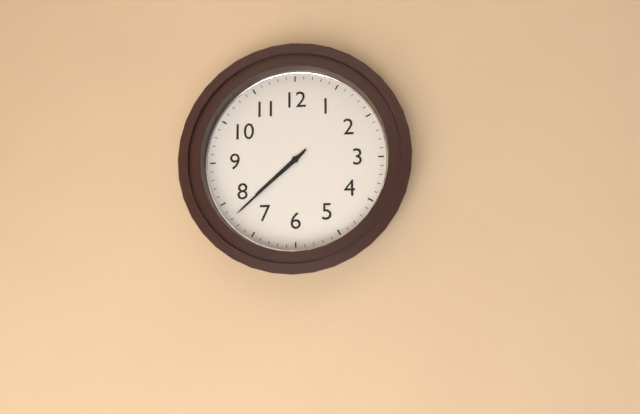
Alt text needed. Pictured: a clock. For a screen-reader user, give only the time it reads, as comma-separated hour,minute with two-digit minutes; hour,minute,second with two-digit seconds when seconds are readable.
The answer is 7,38
